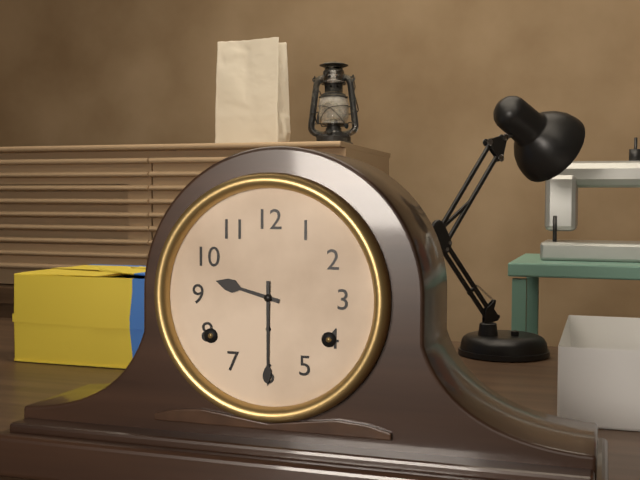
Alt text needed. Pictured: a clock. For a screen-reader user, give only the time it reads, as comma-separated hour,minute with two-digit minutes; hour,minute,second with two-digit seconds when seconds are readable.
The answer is 9,30
